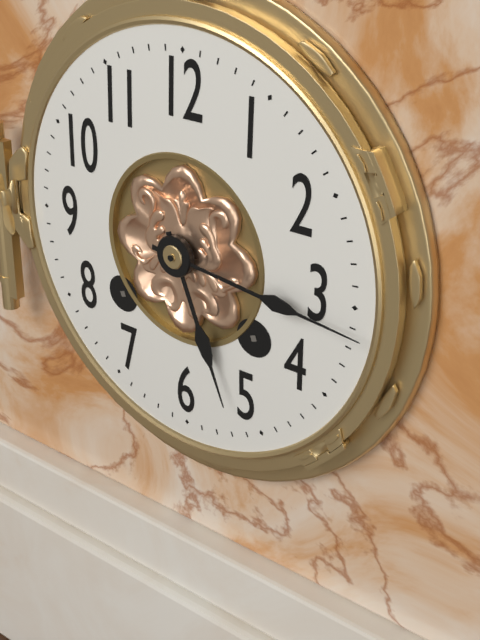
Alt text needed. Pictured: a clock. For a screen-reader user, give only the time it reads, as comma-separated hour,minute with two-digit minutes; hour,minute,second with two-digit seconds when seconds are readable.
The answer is 5,16
